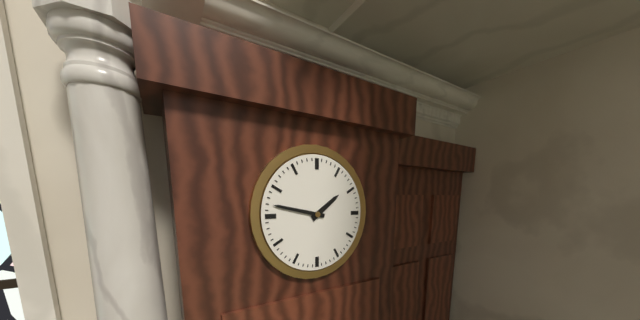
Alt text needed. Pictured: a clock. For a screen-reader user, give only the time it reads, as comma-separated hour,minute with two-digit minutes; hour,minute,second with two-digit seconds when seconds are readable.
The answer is 1,47
